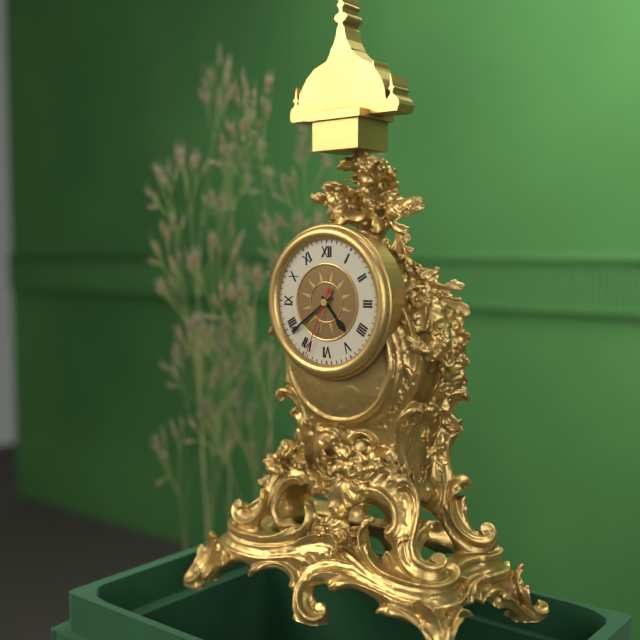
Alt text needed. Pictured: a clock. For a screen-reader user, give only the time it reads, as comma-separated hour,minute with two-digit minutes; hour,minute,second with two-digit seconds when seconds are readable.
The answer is 4,39,34
